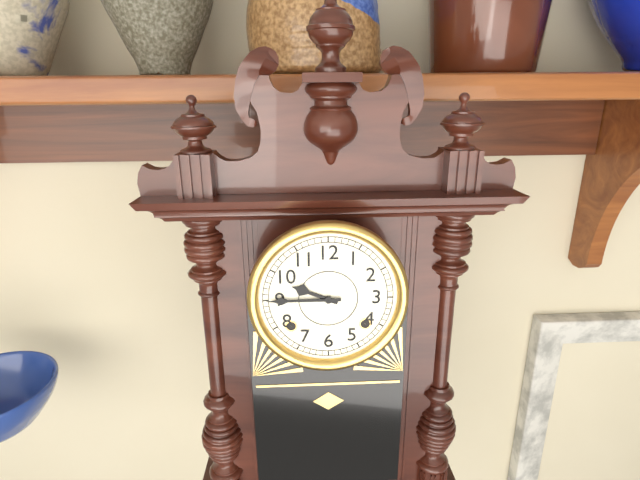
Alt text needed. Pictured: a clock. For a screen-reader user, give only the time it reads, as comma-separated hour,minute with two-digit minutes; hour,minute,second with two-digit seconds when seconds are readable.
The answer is 9,45
